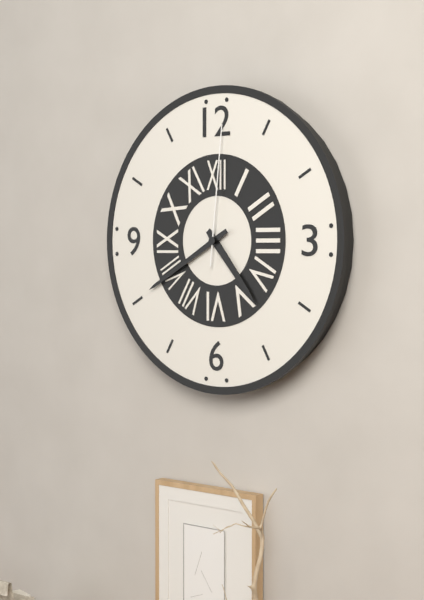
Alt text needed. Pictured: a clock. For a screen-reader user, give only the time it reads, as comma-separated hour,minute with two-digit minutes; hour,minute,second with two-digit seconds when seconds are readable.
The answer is 4,40,01
